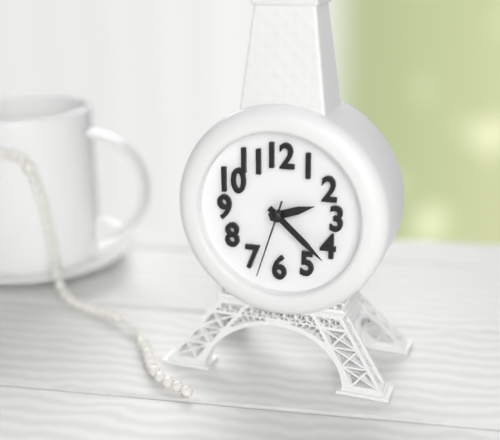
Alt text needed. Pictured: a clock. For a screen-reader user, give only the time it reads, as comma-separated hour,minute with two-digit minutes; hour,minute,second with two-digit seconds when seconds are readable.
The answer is 2,22,33
